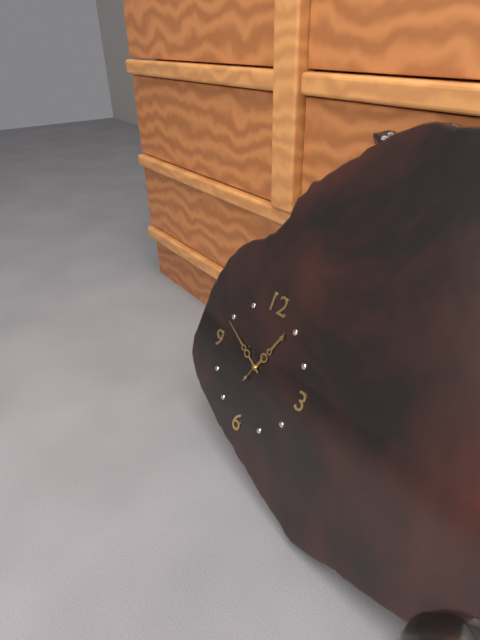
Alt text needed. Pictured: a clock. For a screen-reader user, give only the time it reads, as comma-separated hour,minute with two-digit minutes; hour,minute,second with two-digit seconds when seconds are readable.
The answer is 12,49,04
